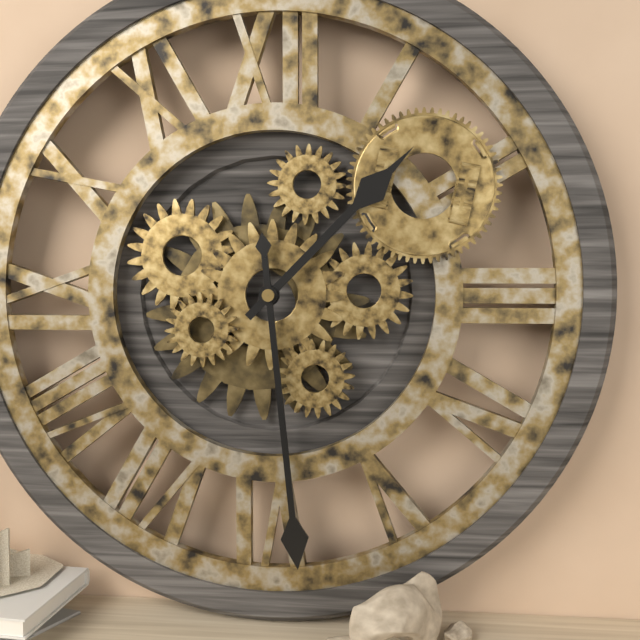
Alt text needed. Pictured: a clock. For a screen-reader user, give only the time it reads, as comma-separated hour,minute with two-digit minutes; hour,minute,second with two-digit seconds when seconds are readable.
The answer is 1,29
